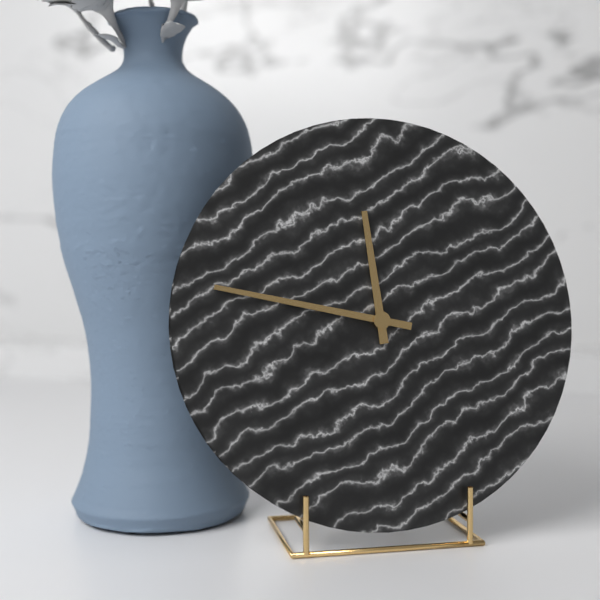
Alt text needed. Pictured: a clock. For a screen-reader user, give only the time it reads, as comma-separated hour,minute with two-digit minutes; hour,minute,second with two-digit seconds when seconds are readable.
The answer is 11,47
